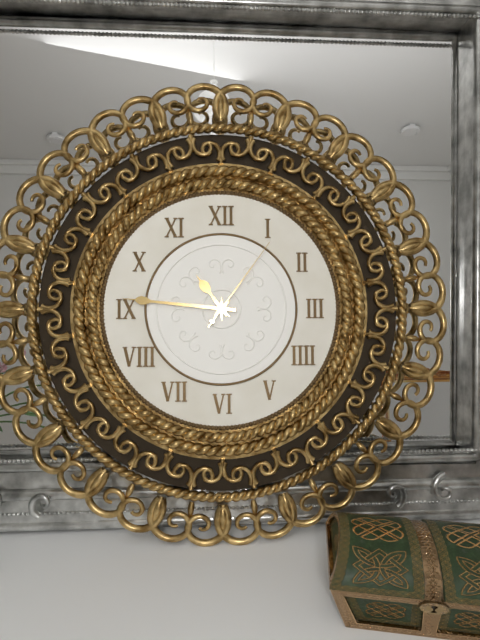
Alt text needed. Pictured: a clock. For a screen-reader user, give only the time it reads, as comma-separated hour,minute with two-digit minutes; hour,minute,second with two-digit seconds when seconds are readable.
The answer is 10,46,06
